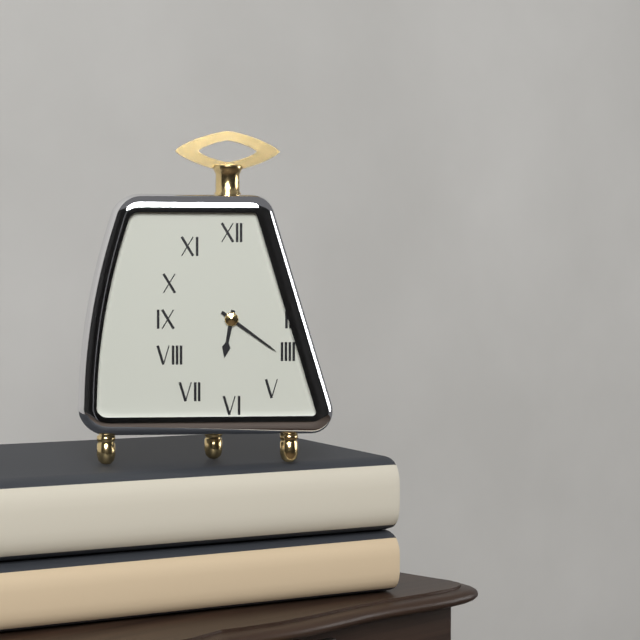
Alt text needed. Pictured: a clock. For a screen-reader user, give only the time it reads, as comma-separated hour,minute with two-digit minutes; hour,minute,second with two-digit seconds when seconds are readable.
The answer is 6,21
